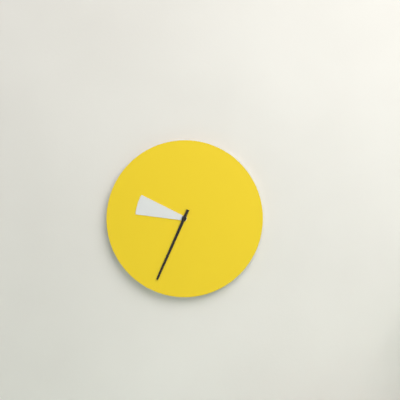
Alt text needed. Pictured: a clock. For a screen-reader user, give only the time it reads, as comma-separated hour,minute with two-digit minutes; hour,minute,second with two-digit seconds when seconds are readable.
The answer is 9,34
